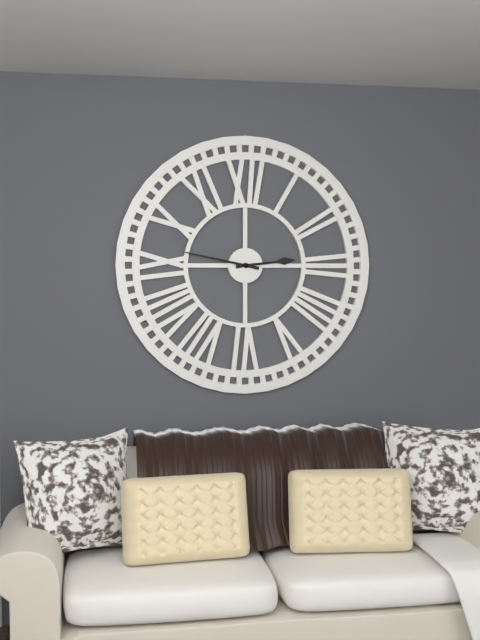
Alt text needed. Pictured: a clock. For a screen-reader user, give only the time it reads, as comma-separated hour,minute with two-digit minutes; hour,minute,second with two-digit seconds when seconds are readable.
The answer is 2,47
